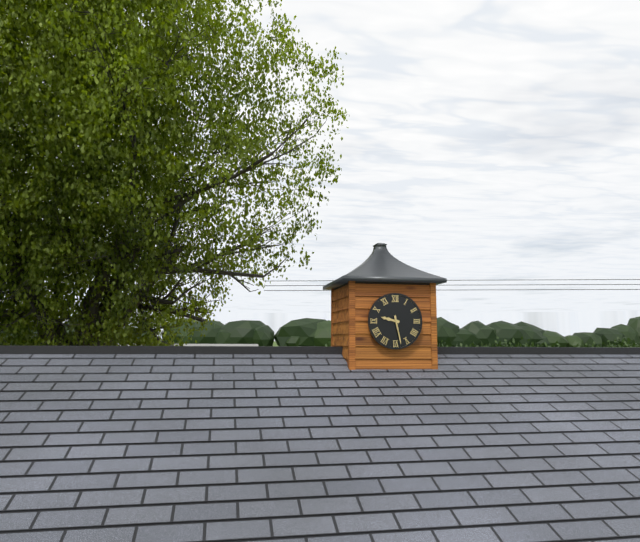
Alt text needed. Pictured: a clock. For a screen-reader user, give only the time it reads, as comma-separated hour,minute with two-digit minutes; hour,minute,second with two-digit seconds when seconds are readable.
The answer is 9,28
